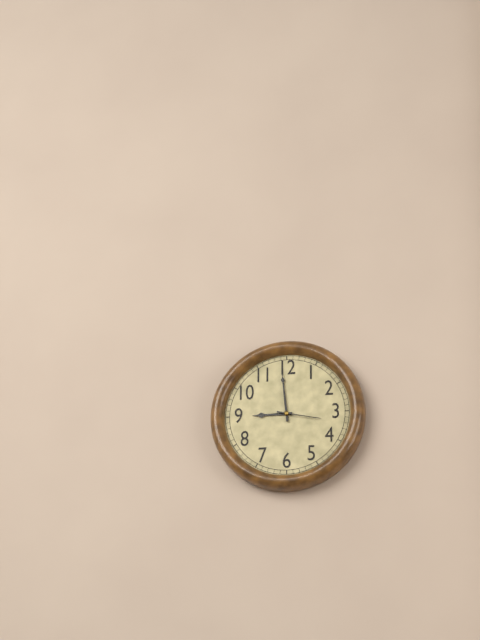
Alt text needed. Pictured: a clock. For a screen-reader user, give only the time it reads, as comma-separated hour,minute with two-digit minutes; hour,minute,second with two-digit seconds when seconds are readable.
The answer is 8,59
